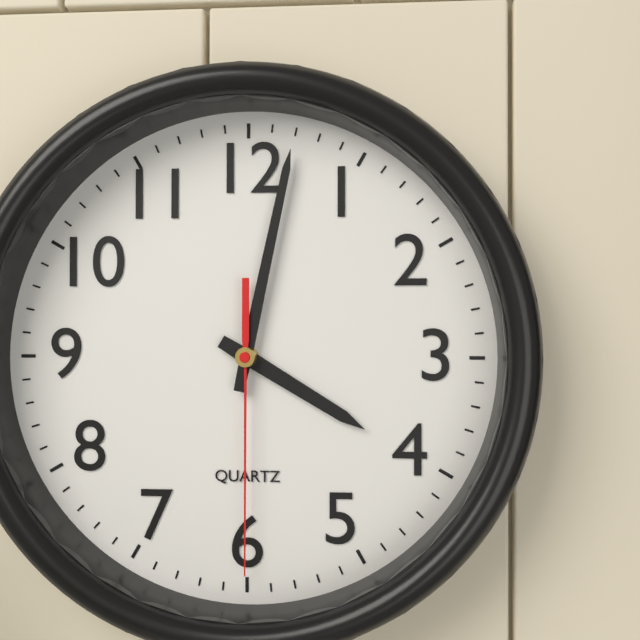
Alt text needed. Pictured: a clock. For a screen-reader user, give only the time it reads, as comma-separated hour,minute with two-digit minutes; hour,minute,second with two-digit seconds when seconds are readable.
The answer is 4,02,30
